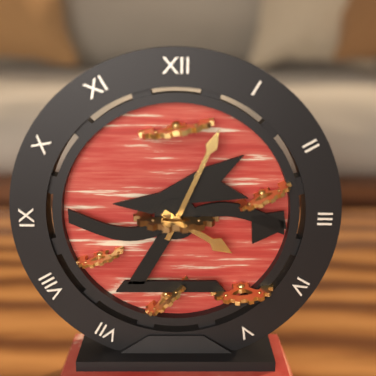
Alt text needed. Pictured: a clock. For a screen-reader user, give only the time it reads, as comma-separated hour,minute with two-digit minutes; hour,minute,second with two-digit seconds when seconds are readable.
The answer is 4,04
